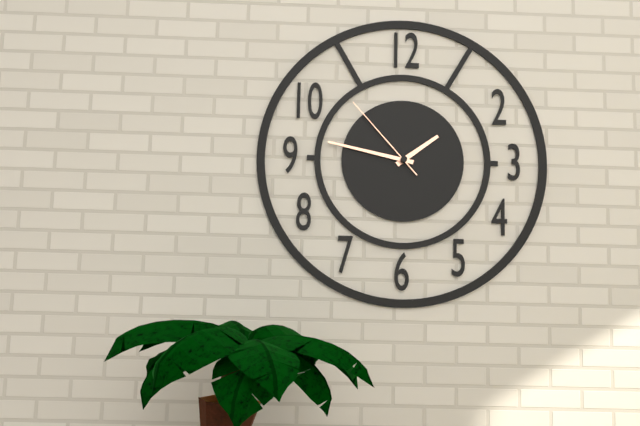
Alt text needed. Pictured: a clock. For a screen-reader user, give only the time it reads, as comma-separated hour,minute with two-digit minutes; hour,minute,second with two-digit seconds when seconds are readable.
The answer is 1,47,53
